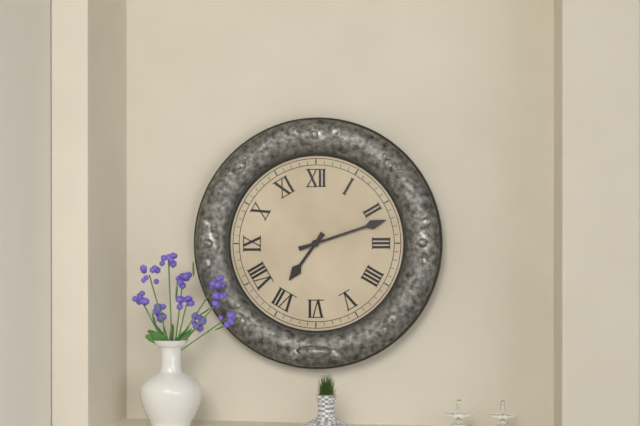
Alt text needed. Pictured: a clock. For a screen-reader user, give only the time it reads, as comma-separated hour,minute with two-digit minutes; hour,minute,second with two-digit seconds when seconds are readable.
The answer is 7,12
